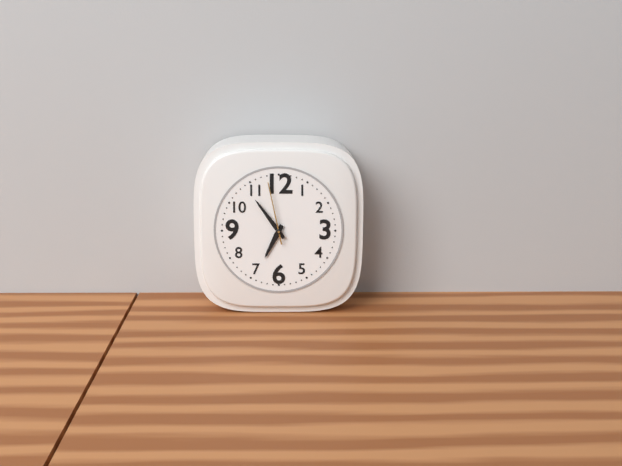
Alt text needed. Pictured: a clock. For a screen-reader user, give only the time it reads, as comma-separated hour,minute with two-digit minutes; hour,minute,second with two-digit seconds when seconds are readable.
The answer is 6,54,58
